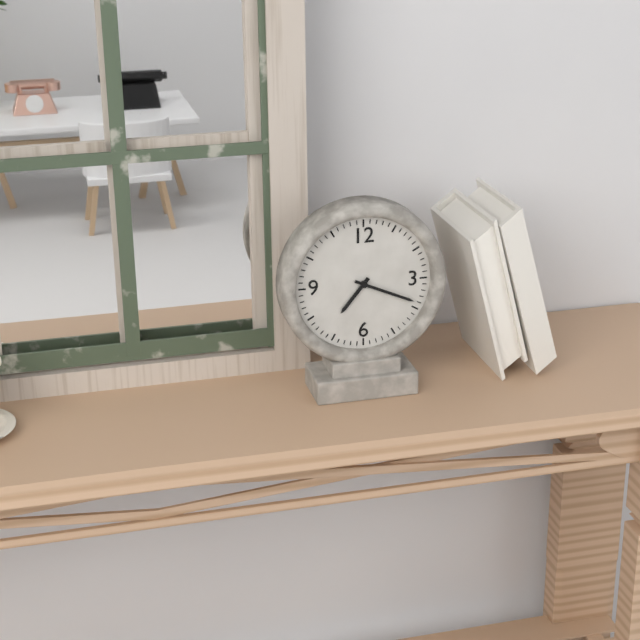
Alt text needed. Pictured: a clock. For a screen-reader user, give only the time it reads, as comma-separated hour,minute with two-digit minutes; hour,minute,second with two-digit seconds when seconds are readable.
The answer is 7,19
